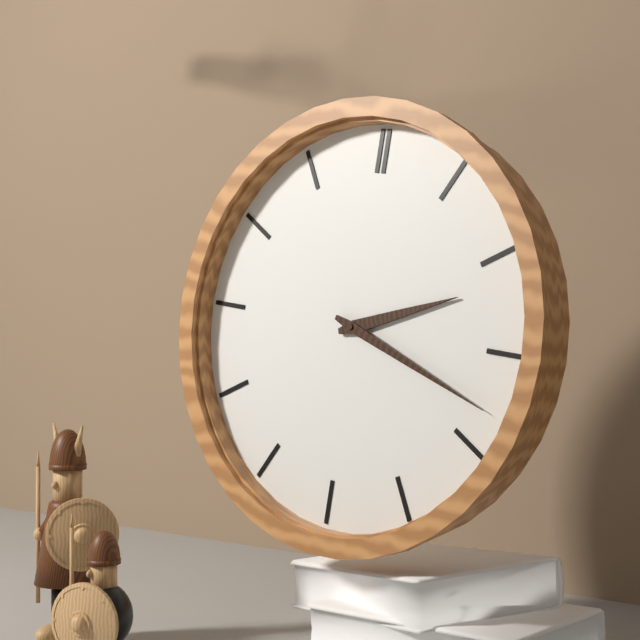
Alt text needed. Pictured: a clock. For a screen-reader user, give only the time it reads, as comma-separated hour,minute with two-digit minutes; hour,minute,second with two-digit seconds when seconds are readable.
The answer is 2,18
